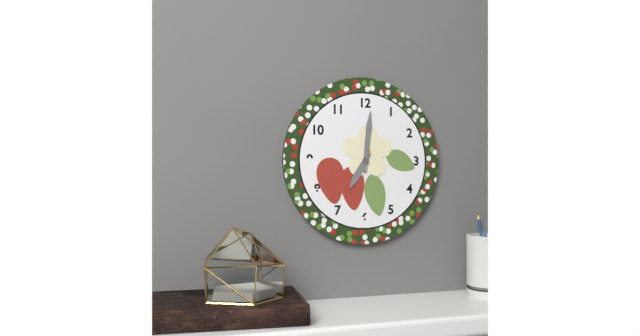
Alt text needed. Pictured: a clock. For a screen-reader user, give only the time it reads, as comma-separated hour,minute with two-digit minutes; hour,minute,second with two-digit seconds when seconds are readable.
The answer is 7,01
